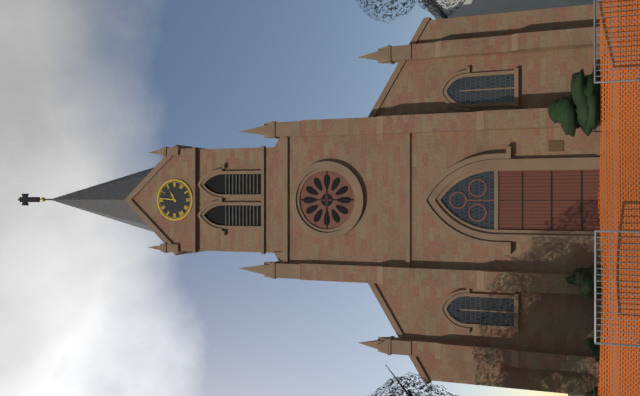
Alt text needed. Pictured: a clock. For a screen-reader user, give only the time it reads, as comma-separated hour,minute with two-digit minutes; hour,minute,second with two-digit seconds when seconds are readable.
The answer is 2,01
